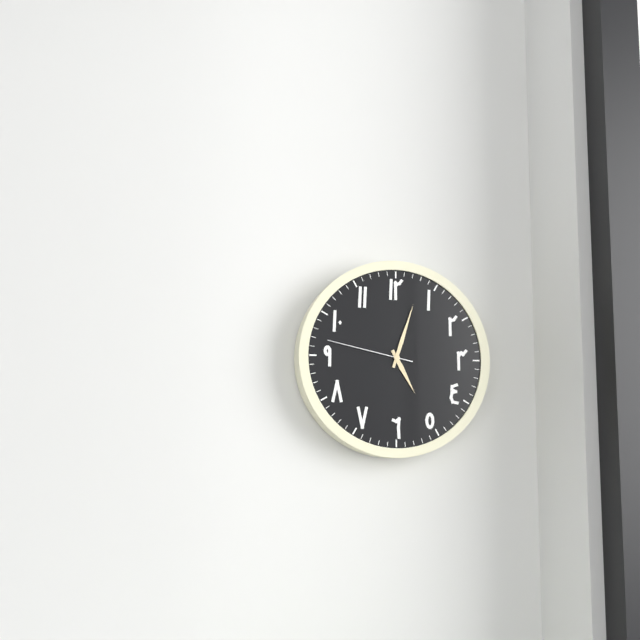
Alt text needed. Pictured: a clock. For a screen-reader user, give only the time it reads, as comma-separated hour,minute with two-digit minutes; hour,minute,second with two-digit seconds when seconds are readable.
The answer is 5,03,47
